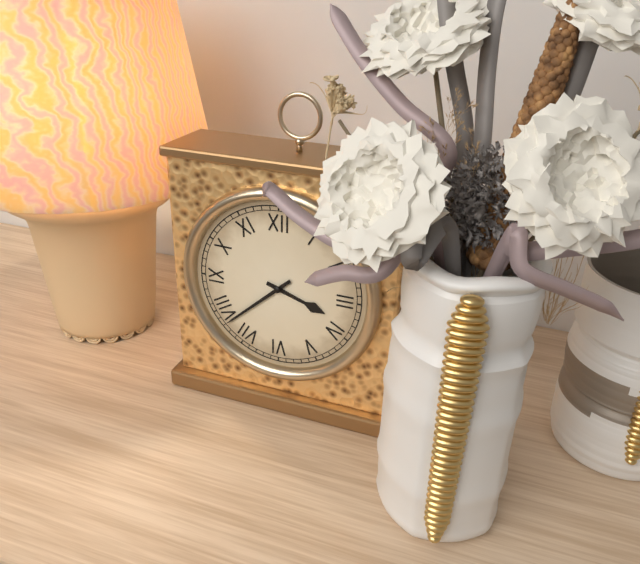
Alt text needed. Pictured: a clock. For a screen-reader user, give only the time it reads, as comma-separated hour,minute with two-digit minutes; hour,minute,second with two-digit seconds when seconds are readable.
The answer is 3,38
